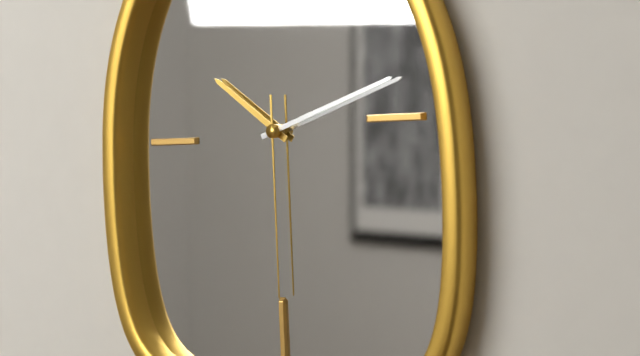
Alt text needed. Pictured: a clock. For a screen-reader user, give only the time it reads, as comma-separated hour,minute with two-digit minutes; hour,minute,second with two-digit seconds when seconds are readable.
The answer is 10,12,30
